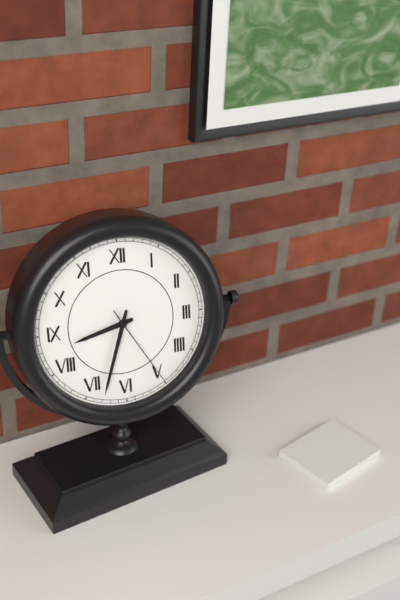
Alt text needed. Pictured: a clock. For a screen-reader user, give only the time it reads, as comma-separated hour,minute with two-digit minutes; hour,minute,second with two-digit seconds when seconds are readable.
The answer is 8,33,25
